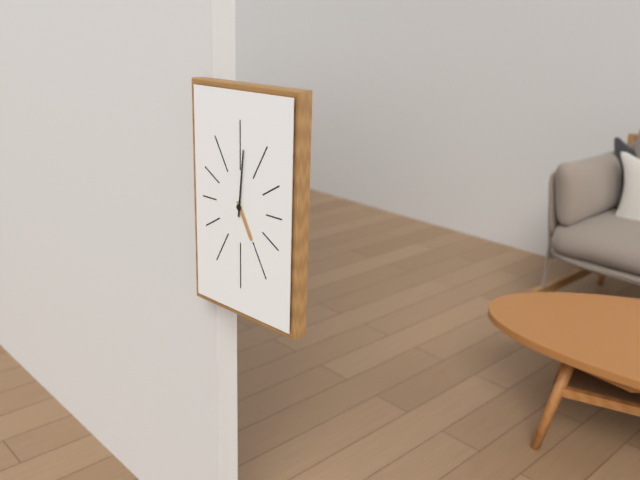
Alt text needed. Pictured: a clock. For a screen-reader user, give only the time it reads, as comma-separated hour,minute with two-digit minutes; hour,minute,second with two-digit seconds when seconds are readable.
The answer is 5,01
